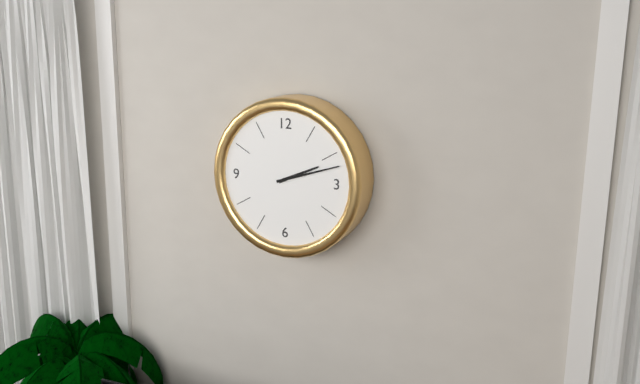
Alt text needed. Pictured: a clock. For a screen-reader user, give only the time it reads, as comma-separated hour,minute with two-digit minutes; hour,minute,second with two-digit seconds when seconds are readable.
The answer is 2,12
